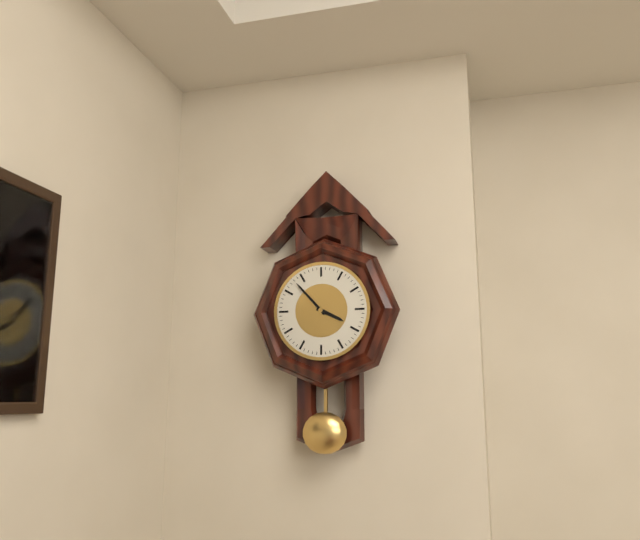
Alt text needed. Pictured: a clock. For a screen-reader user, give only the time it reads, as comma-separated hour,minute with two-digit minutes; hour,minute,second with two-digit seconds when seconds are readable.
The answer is 3,53
